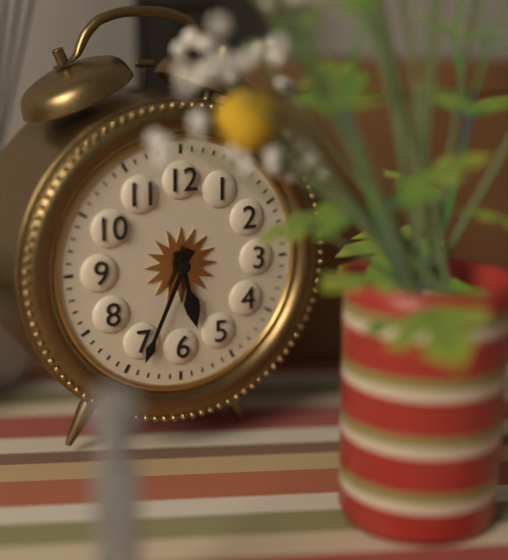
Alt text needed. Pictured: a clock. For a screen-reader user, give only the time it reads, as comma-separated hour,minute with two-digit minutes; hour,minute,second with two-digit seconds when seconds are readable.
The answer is 5,34
